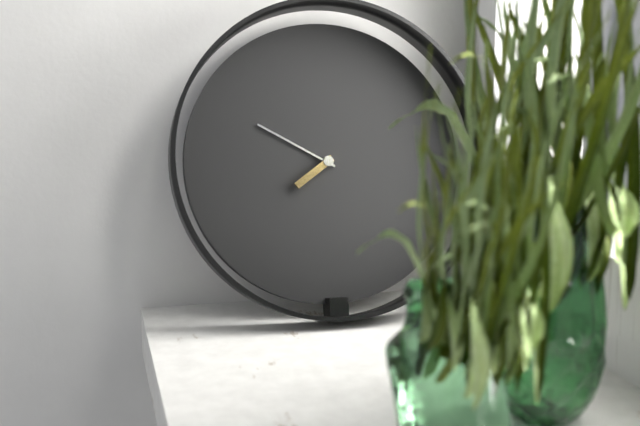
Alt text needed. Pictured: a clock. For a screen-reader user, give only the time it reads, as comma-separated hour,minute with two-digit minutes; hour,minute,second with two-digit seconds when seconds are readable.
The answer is 7,50
